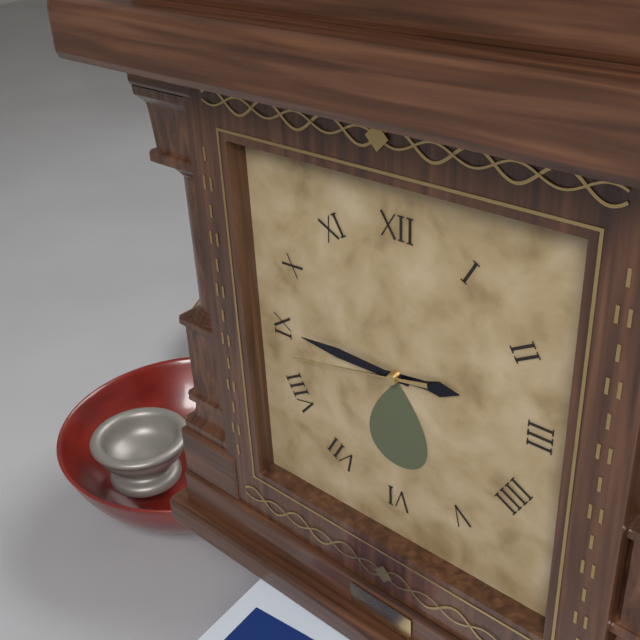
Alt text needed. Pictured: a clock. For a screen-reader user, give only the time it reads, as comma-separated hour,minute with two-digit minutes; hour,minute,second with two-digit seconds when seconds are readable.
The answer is 2,45,43
